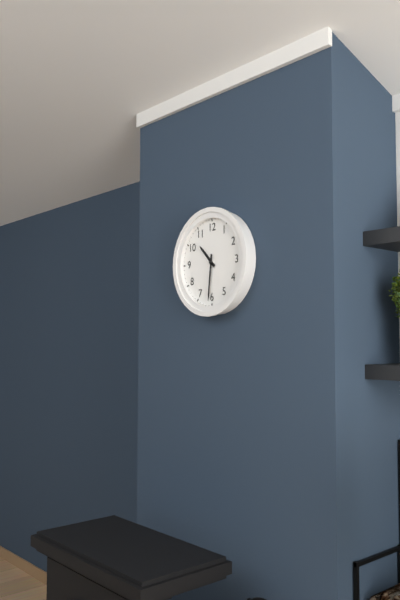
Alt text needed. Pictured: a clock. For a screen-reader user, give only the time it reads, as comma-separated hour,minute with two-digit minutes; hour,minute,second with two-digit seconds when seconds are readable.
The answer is 10,31
